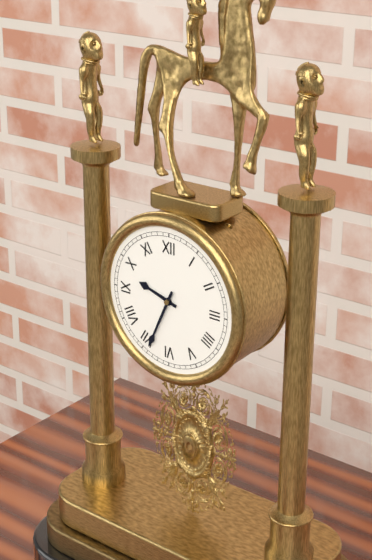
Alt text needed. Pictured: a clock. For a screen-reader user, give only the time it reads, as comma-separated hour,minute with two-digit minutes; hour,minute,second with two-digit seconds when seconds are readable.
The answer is 9,34
